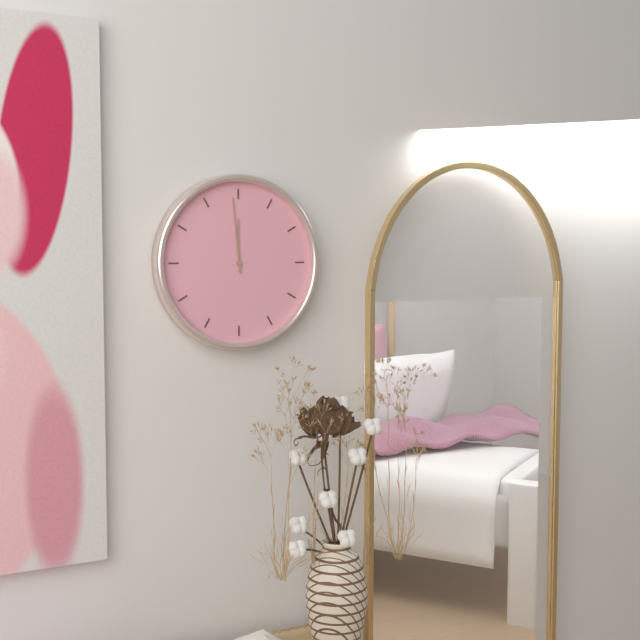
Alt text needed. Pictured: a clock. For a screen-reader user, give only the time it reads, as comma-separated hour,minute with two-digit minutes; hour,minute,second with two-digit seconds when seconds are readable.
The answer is 11,59
